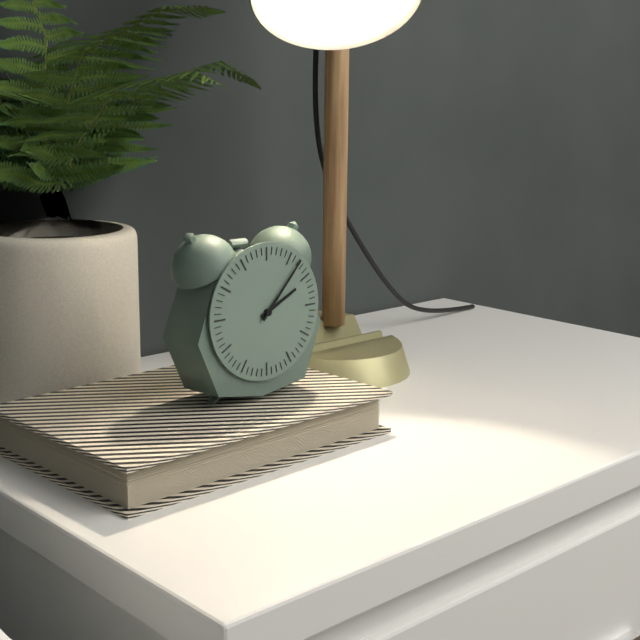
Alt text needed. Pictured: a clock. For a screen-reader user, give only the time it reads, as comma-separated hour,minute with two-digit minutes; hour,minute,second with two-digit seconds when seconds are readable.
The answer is 2,07
